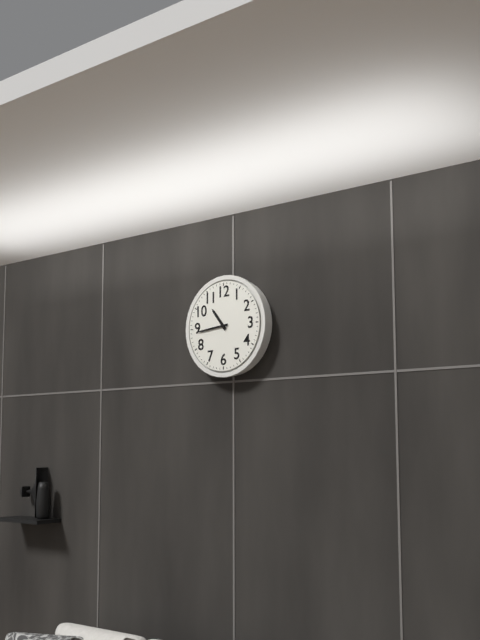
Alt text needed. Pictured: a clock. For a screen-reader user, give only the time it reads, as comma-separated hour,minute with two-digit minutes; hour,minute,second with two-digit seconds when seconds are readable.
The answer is 10,44
